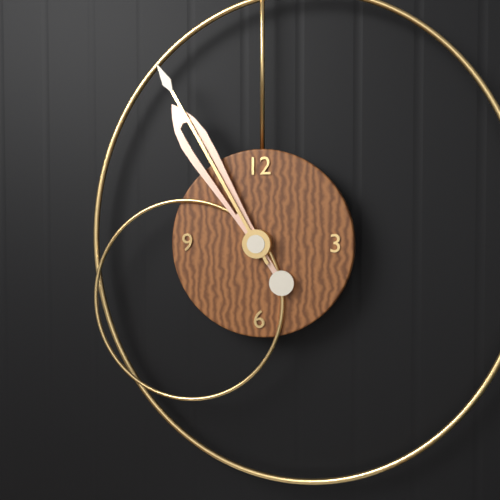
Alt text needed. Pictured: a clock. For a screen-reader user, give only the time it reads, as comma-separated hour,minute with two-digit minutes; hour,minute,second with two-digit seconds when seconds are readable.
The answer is 10,55
